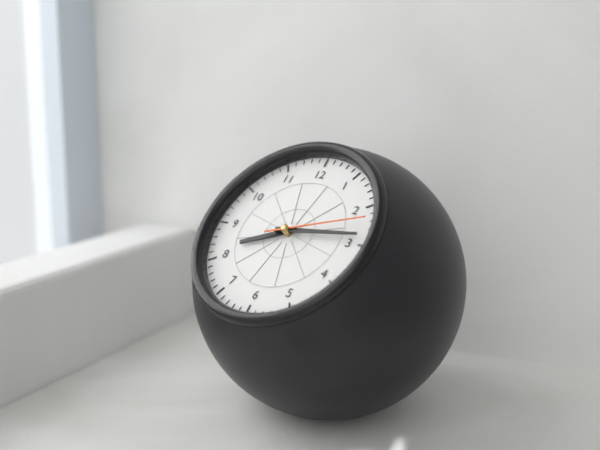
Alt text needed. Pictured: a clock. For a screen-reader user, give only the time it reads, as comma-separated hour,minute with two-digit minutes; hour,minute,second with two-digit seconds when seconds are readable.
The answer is 8,14,12
